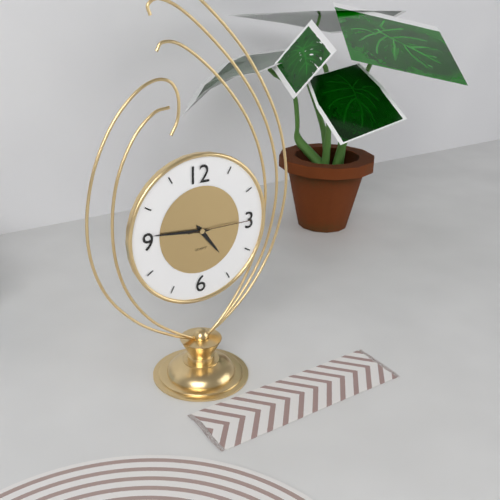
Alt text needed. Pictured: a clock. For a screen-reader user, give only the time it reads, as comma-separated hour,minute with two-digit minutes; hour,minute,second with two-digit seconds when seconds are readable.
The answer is 4,46,15
